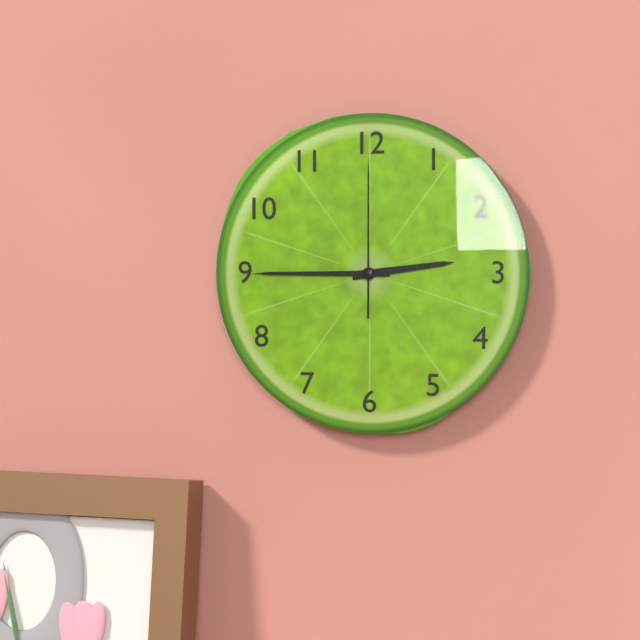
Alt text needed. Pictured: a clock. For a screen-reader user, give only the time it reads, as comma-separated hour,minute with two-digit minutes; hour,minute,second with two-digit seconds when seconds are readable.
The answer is 2,45,00
